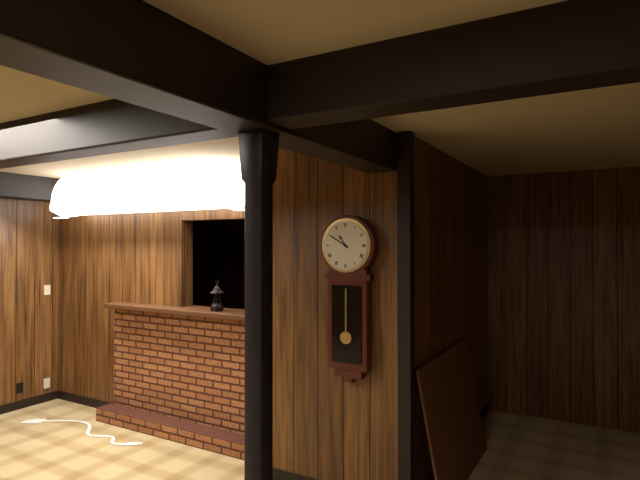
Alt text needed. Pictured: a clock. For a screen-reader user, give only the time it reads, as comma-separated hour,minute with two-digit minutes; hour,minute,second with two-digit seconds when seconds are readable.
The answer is 10,50
